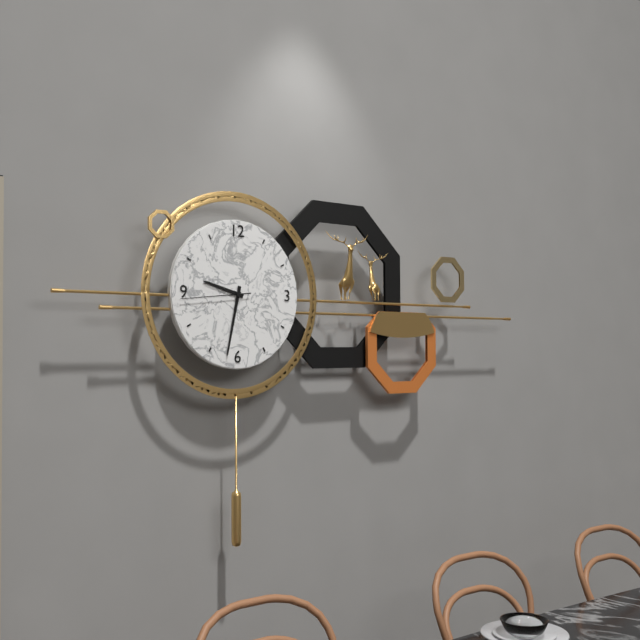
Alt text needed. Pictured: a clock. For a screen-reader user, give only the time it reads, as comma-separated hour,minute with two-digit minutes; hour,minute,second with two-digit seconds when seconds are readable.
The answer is 9,32,44
